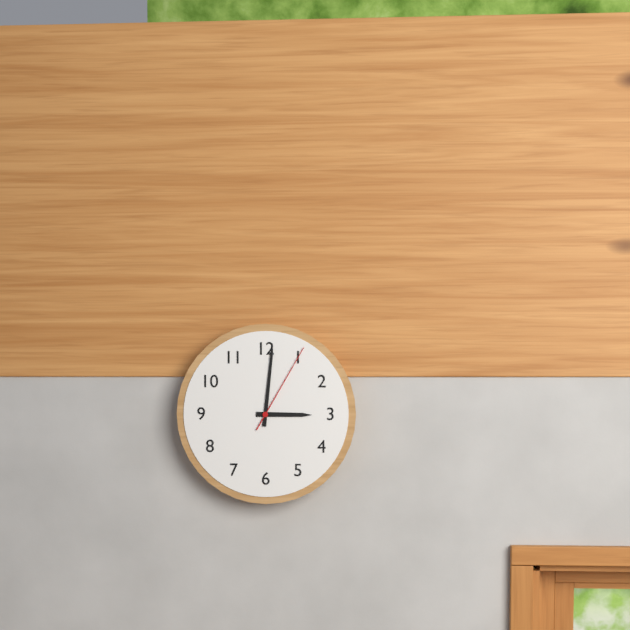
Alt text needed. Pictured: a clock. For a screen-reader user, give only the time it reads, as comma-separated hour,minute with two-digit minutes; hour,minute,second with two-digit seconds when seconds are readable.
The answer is 3,01,05
